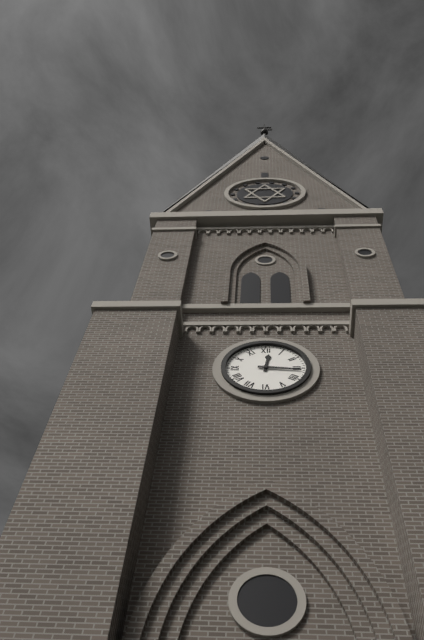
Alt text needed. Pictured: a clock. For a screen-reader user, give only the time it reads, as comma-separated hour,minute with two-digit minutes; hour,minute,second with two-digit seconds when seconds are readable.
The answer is 12,16
